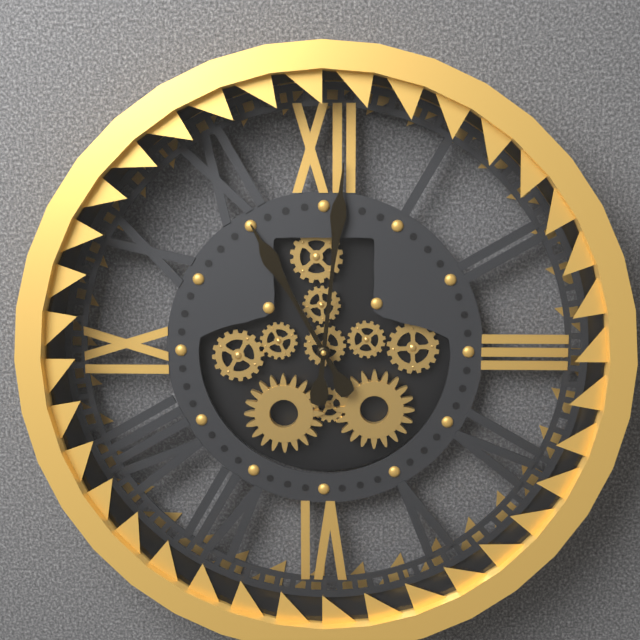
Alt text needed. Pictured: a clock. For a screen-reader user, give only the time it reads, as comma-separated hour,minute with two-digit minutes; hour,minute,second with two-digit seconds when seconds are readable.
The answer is 11,01
